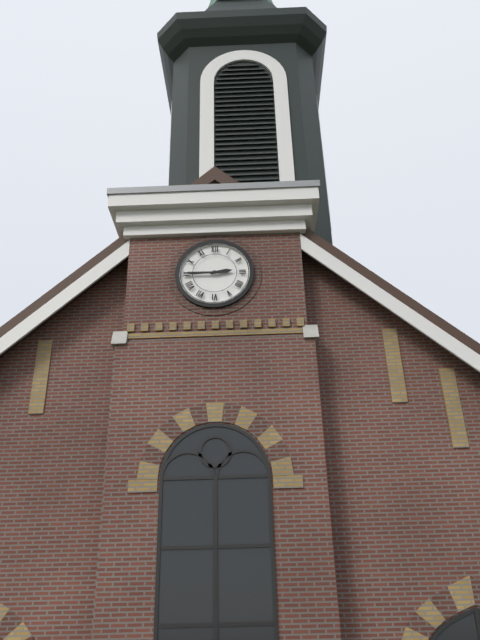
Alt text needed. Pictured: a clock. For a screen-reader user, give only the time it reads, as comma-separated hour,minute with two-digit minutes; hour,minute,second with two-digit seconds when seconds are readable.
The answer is 2,45
